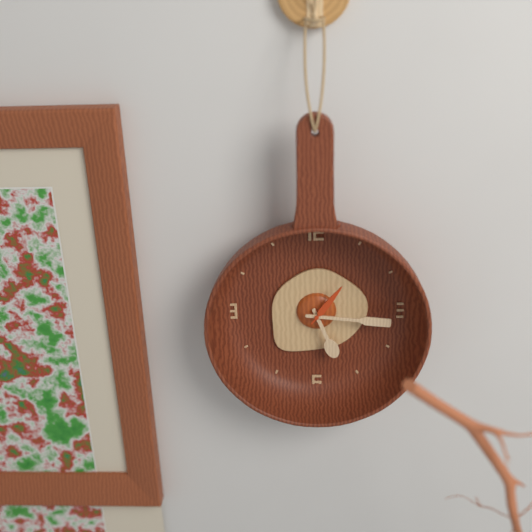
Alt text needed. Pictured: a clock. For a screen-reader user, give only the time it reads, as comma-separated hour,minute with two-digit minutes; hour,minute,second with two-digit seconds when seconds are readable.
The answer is 5,16,06
